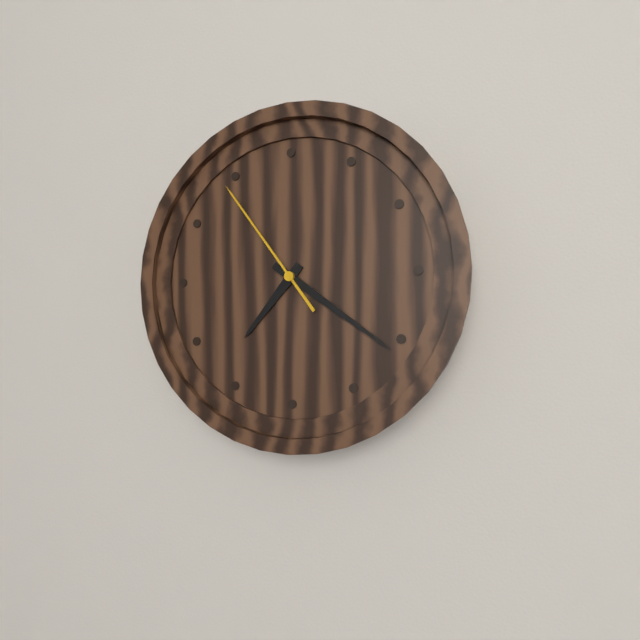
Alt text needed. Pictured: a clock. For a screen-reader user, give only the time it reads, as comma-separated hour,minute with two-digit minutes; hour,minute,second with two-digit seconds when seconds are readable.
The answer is 7,21,54
